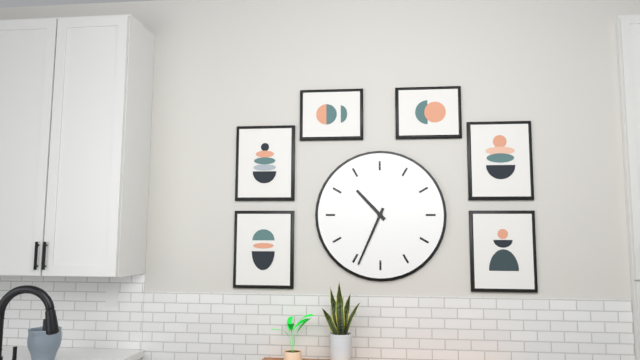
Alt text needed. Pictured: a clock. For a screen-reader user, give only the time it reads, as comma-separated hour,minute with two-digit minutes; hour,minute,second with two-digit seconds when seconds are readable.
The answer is 10,34
